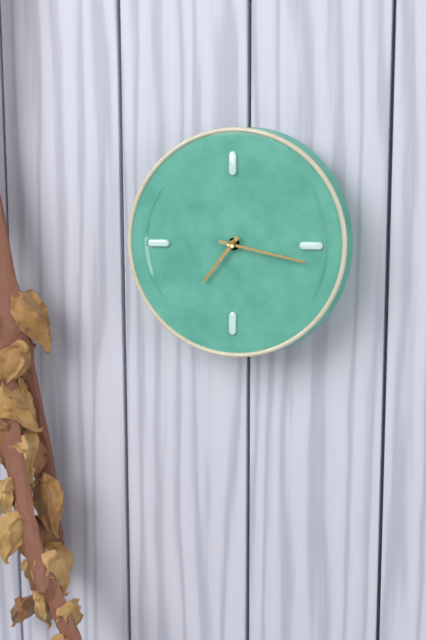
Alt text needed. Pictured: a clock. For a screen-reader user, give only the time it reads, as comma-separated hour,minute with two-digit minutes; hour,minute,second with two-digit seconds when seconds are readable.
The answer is 7,17
